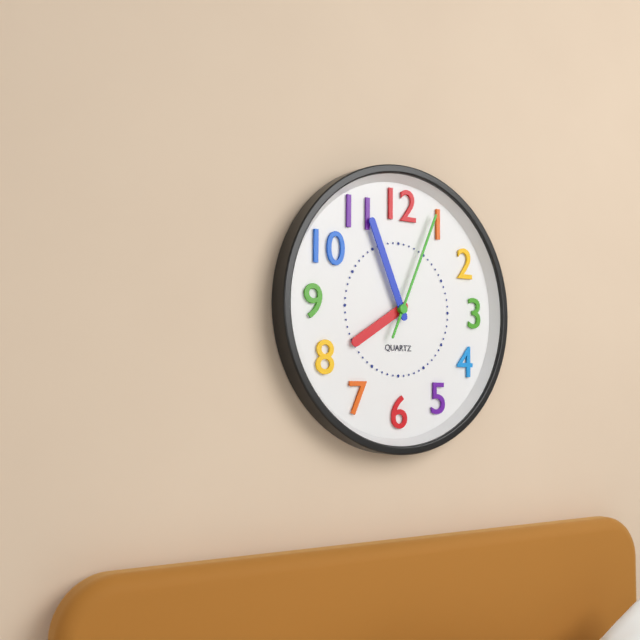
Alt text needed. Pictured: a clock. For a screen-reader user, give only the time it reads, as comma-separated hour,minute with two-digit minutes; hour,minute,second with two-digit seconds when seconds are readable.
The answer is 7,56,04
